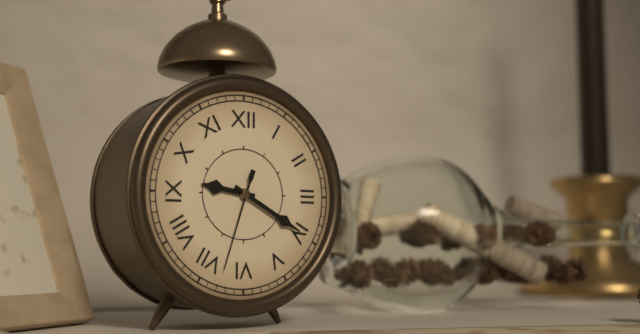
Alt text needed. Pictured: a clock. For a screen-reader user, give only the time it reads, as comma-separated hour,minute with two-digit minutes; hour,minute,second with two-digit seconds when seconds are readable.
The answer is 9,20,33
